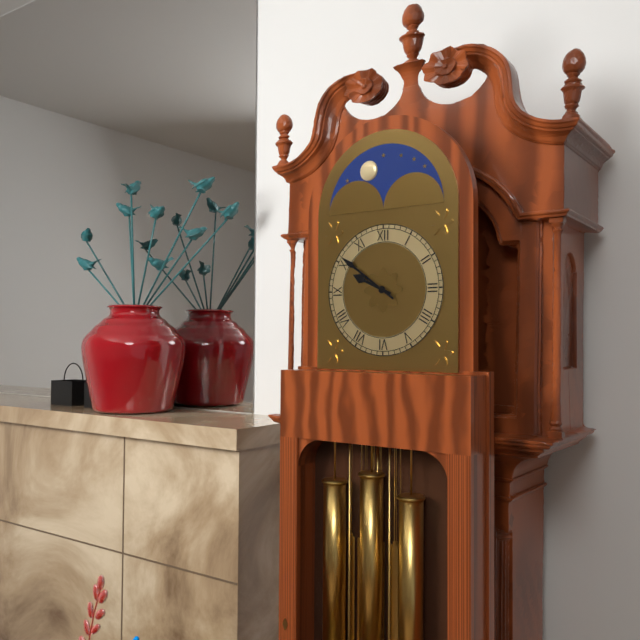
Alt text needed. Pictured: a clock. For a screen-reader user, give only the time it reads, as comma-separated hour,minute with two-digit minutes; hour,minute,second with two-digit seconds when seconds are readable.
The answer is 9,51
